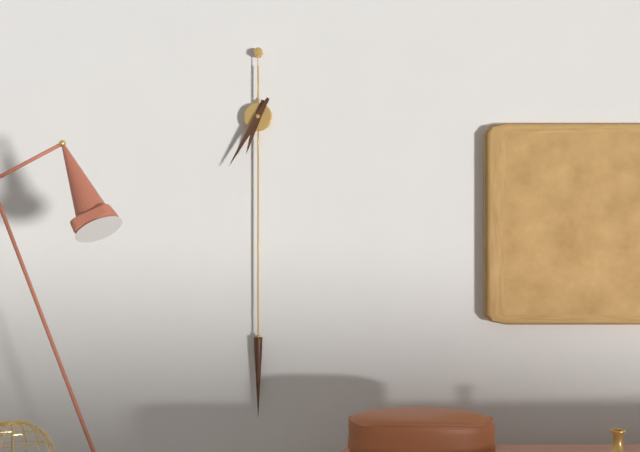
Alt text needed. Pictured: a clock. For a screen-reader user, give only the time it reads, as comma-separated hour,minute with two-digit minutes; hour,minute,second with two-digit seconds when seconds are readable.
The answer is 6,35
